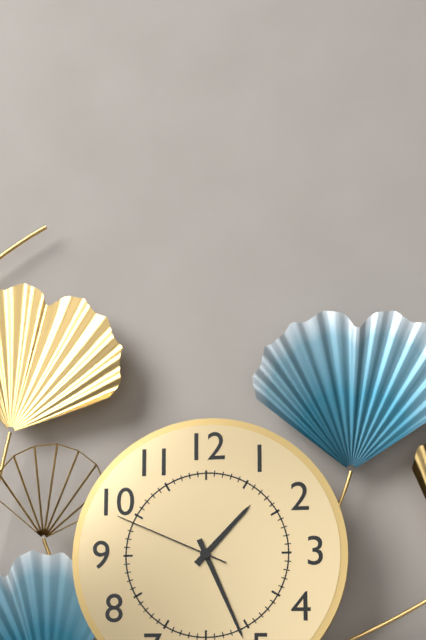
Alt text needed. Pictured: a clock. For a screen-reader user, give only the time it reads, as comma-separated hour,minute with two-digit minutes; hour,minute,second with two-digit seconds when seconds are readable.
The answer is 1,26,49
